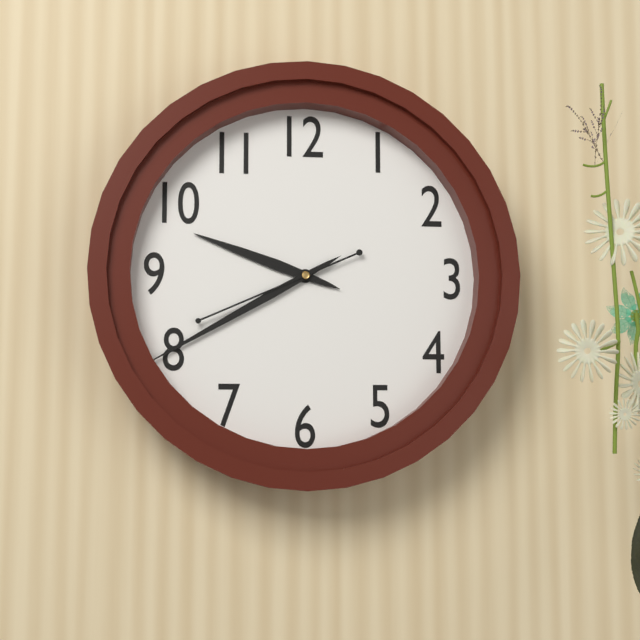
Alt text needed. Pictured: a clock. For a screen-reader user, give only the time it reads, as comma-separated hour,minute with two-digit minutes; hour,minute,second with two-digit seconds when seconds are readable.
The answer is 9,40,41
